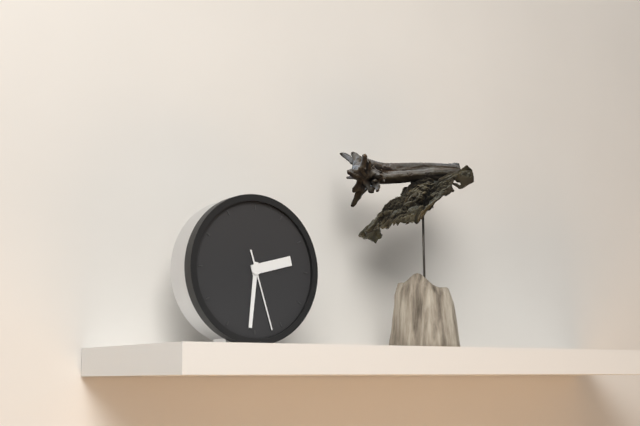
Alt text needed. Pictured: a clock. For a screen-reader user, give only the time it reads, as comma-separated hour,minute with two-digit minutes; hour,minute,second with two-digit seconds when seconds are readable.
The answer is 2,31,27
